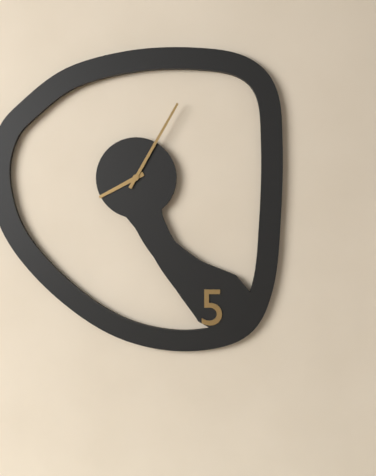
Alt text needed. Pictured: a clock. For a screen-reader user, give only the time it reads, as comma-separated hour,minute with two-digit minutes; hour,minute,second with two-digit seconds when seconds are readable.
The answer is 8,05
